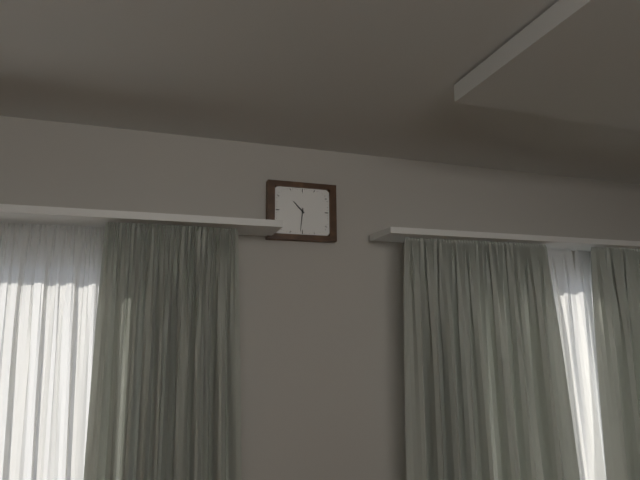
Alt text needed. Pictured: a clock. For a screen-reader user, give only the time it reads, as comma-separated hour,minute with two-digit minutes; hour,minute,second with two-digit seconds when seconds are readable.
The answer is 10,31
